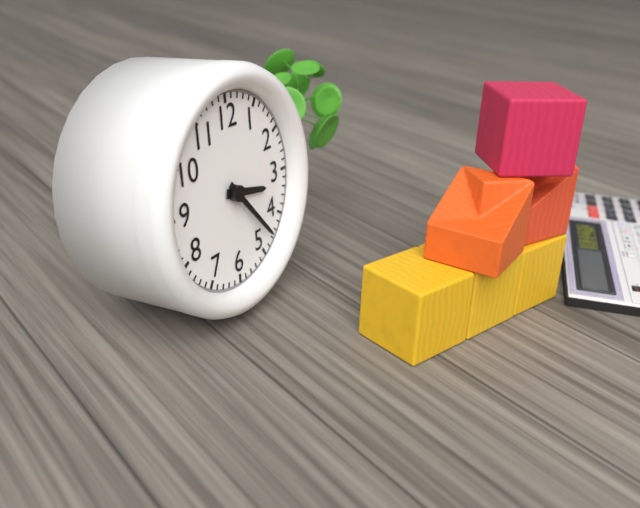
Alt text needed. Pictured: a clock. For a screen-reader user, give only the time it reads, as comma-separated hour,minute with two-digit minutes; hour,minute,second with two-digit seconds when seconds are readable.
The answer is 3,23
